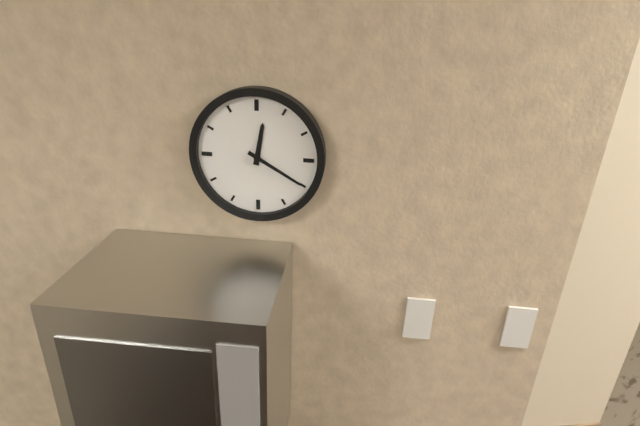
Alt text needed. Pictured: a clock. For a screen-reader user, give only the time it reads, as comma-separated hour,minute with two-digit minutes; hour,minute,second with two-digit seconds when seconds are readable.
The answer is 12,20
